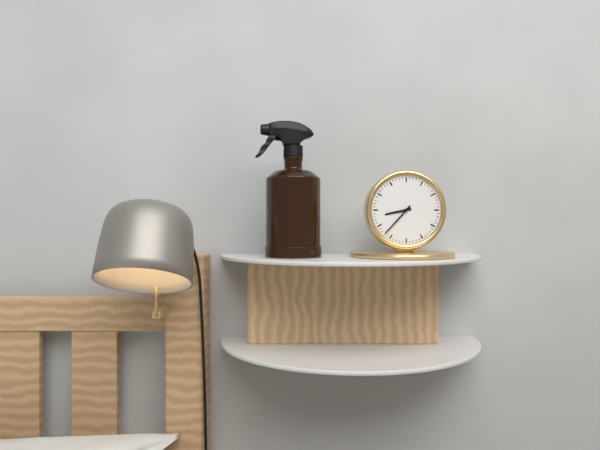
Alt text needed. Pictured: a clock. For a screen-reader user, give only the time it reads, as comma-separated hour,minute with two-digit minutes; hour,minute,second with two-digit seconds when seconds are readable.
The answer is 8,37
